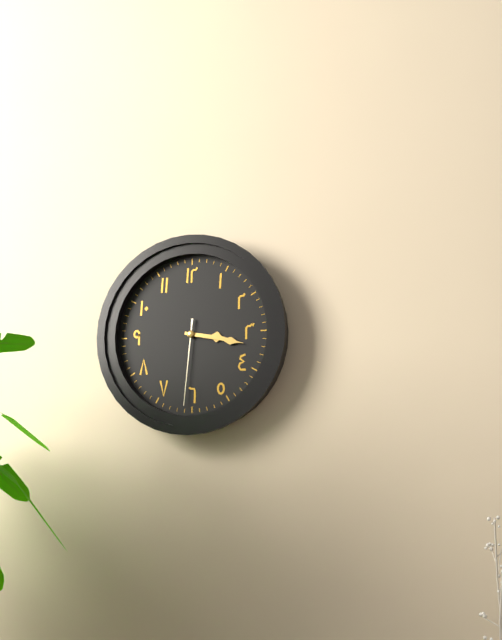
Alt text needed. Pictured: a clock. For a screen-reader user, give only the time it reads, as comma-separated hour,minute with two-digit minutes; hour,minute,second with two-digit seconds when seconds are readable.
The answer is 3,17,31
